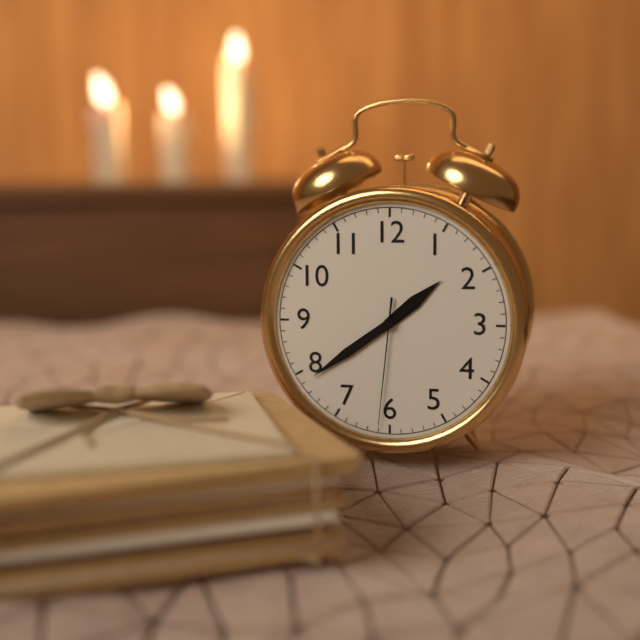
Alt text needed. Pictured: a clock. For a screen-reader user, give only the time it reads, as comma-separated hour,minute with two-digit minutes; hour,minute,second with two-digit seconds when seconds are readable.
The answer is 1,39,31
